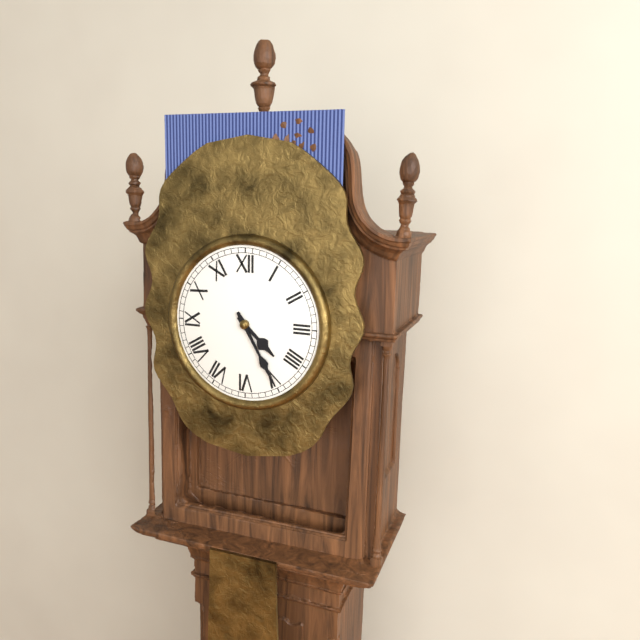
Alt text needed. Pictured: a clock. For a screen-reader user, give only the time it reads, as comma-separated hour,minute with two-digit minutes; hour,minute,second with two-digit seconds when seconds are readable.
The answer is 4,25
